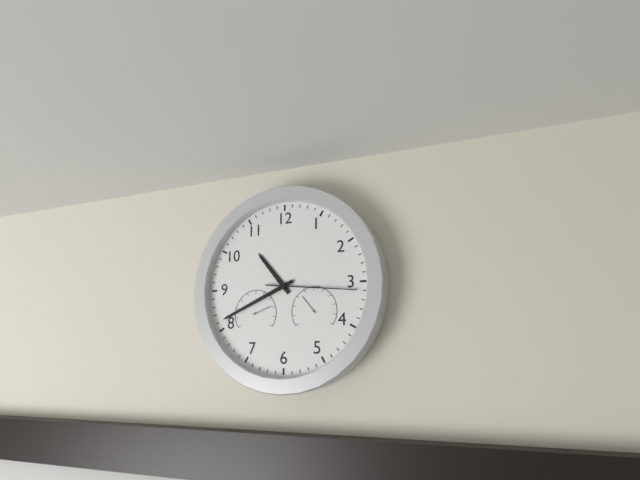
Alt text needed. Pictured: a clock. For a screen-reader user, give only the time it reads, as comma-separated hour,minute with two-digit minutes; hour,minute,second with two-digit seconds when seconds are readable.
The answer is 10,41,16
